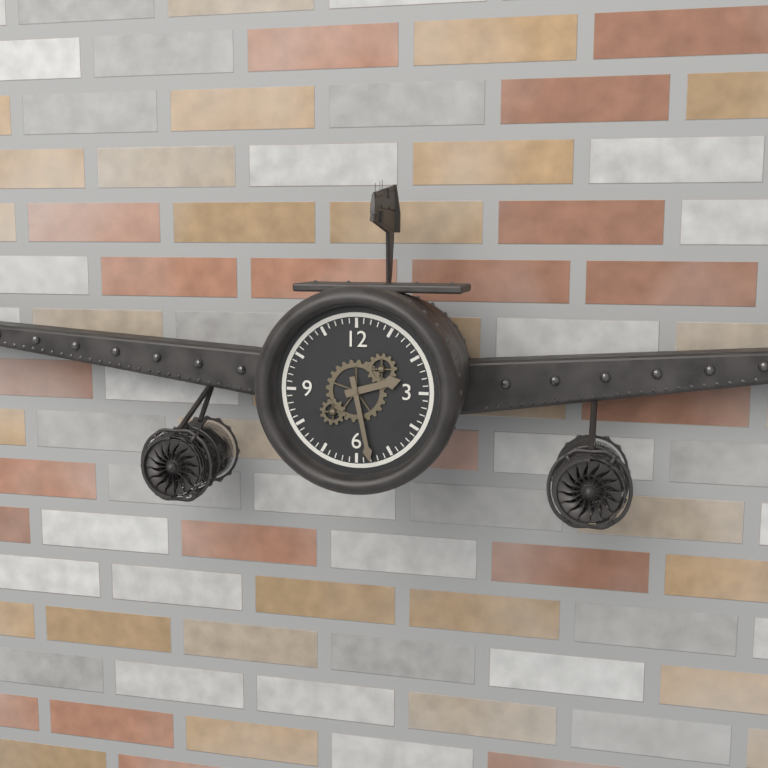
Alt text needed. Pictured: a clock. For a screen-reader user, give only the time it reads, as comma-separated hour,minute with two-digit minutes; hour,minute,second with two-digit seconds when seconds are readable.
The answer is 2,28
